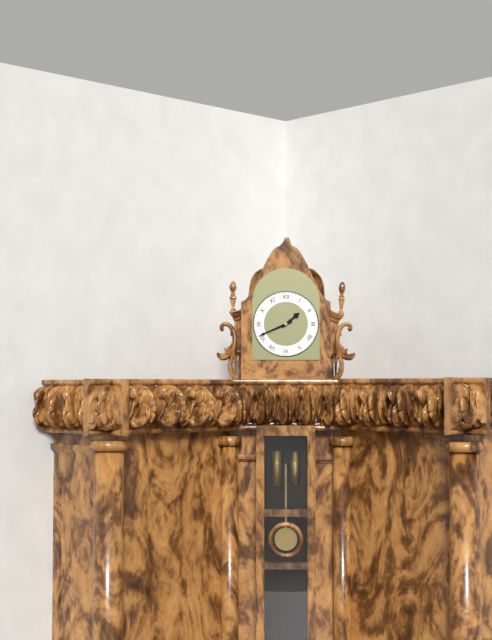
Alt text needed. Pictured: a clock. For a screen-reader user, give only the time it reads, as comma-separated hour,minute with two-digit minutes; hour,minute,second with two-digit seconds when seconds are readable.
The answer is 1,41
